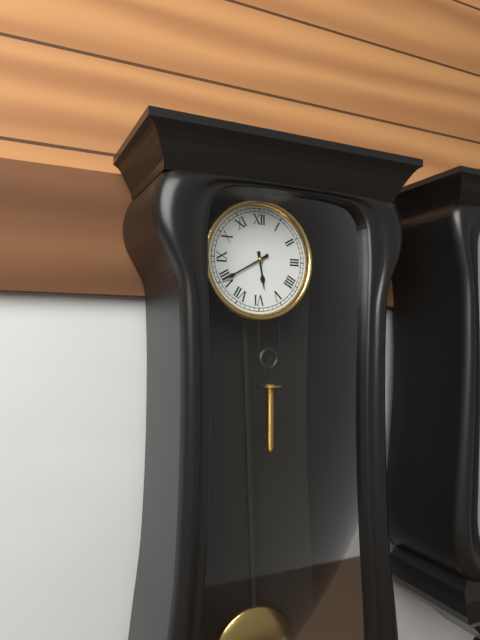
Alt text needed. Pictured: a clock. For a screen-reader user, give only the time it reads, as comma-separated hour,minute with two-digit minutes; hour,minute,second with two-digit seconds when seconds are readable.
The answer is 5,40
